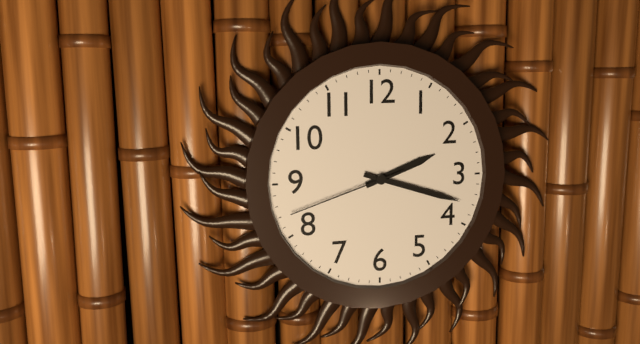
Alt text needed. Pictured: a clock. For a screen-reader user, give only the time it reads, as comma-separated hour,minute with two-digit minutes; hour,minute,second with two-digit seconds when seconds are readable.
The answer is 2,18,42
